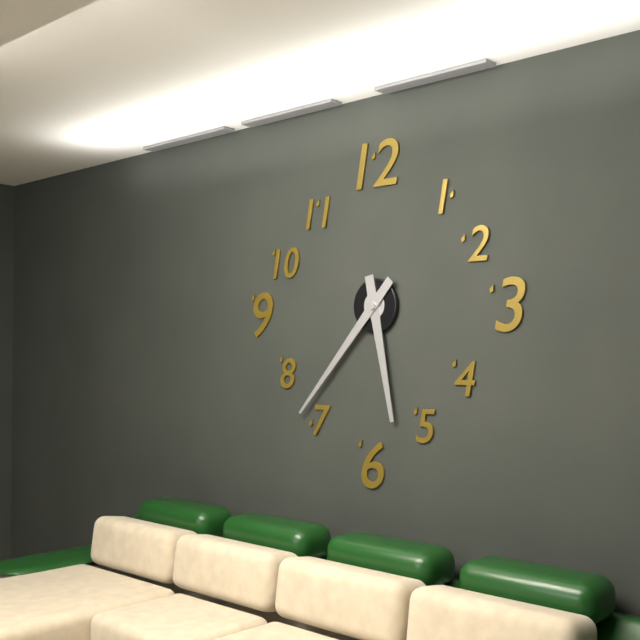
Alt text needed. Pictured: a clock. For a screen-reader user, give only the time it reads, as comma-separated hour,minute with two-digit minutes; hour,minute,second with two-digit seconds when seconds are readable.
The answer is 5,37
